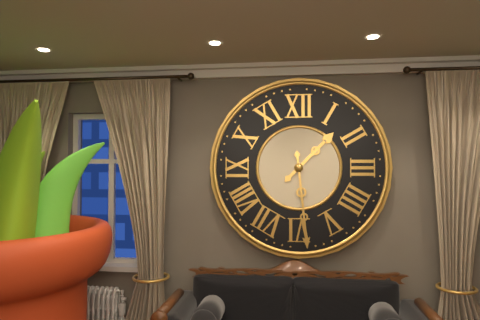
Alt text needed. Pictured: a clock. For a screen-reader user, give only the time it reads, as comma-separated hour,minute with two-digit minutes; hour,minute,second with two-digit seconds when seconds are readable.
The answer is 1,29
